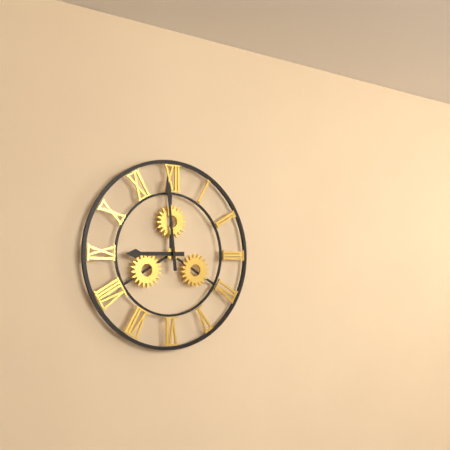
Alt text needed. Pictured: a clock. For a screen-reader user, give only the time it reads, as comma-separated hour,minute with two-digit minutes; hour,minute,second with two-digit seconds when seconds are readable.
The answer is 8,59
